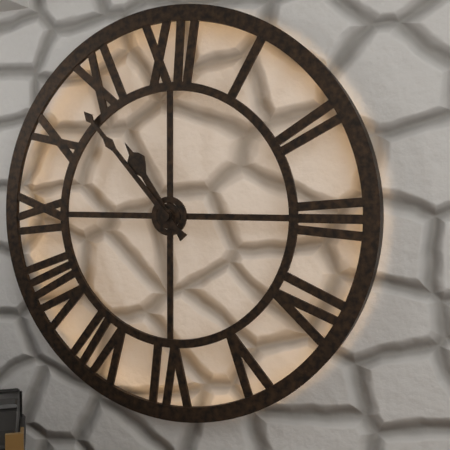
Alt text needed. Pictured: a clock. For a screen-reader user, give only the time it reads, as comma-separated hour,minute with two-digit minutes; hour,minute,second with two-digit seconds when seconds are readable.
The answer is 10,53
